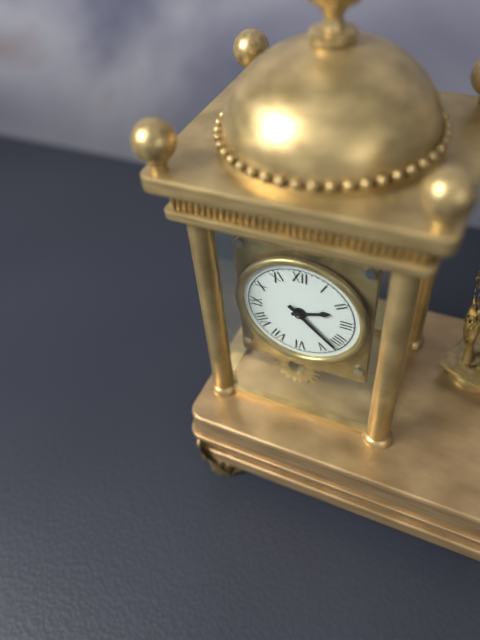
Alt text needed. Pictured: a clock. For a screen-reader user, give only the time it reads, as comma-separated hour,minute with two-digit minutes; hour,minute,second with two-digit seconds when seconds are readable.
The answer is 2,22
